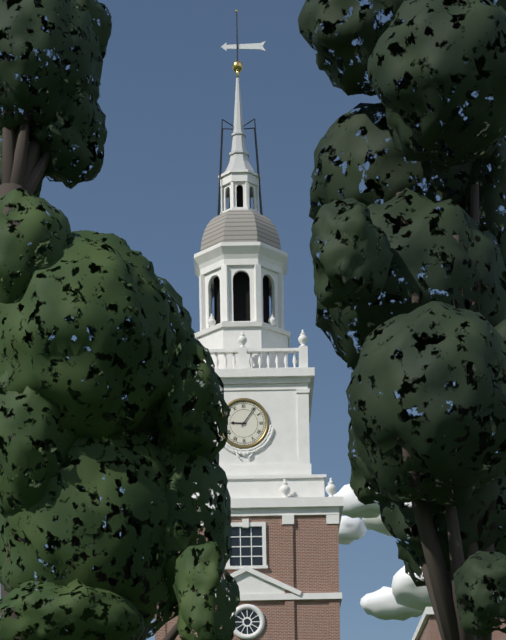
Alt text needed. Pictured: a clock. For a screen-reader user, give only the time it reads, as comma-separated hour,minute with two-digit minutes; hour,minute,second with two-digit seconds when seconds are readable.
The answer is 9,06
